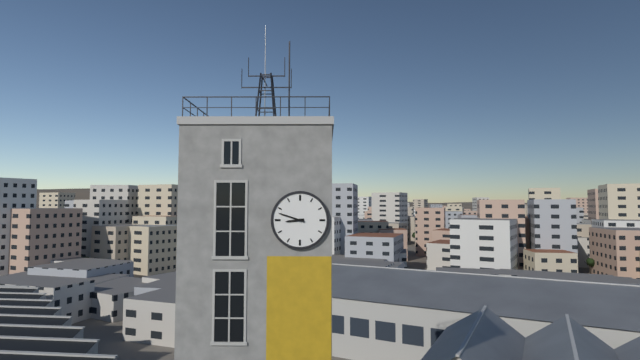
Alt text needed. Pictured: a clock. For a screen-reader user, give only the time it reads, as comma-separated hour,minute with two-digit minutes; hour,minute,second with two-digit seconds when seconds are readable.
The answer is 8,48
